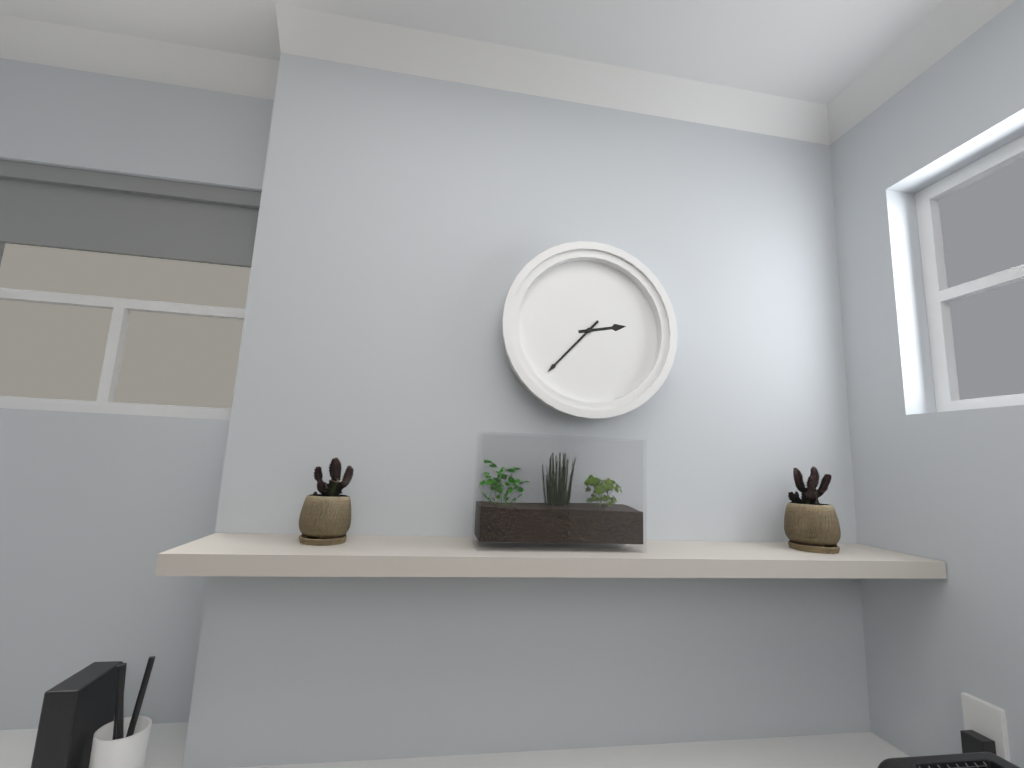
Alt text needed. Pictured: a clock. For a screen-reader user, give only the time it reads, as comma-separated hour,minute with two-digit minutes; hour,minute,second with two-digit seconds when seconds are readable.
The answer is 2,37
